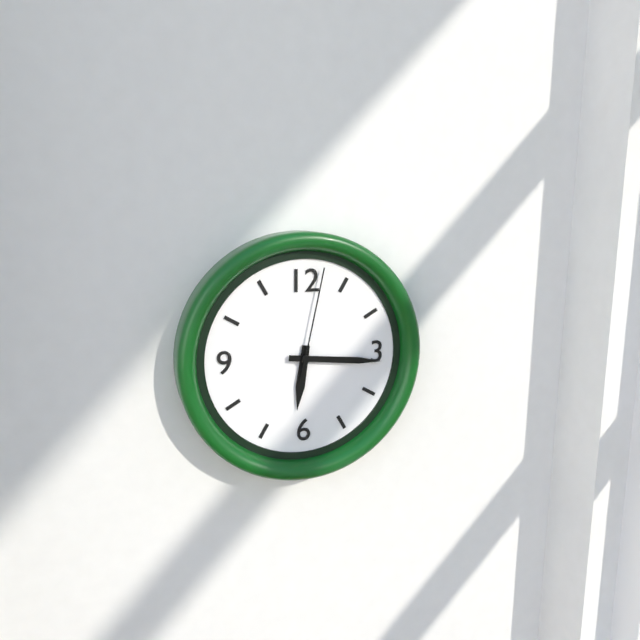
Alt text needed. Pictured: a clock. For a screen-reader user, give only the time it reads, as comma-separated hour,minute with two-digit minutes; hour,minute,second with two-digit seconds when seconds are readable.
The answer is 6,16,02
